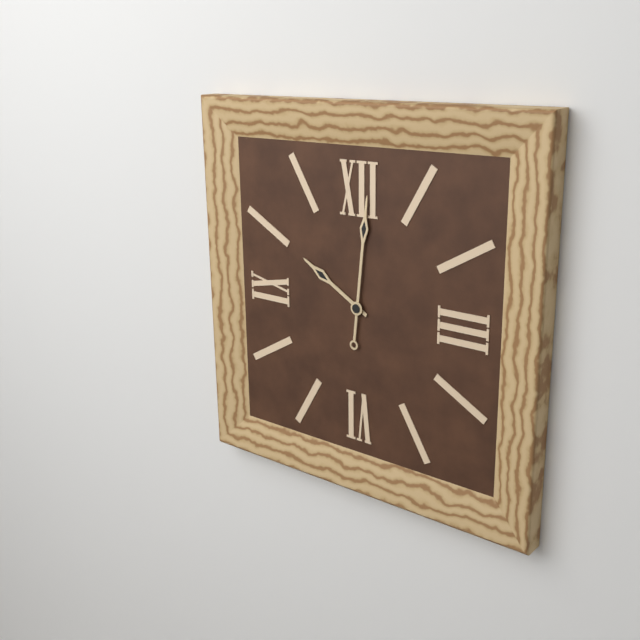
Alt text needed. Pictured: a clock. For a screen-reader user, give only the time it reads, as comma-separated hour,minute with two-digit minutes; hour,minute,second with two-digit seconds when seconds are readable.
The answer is 10,01
